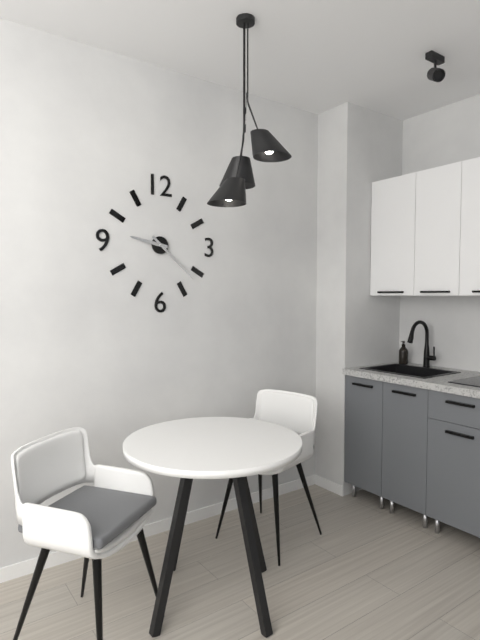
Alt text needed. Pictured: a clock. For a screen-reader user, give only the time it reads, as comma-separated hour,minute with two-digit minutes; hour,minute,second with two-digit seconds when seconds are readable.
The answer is 9,22
